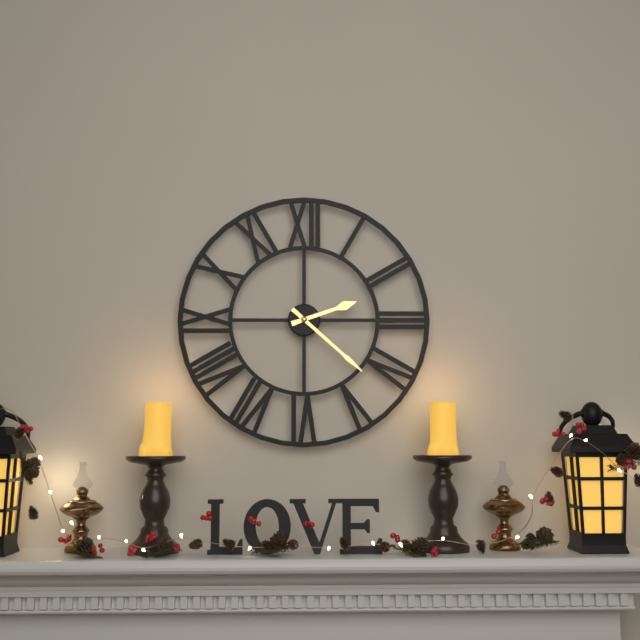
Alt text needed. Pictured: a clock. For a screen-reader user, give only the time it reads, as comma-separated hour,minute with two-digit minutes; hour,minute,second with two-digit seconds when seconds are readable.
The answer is 2,22
